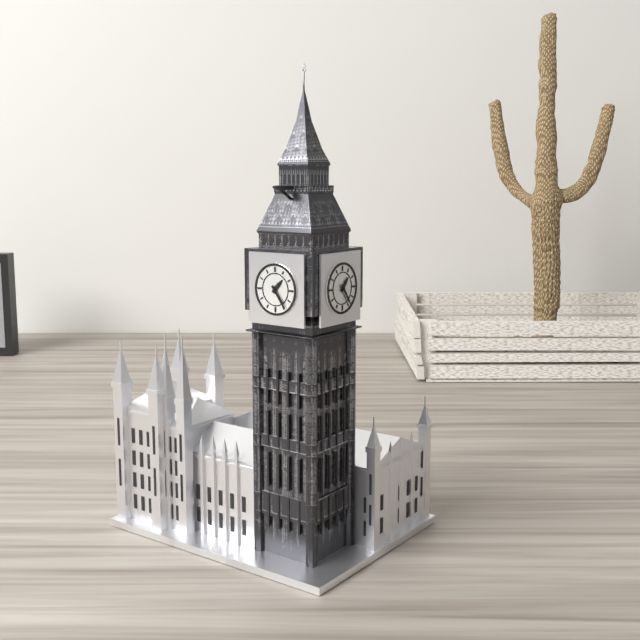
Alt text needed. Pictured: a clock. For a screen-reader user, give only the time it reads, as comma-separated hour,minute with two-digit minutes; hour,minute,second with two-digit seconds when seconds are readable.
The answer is 1,24
